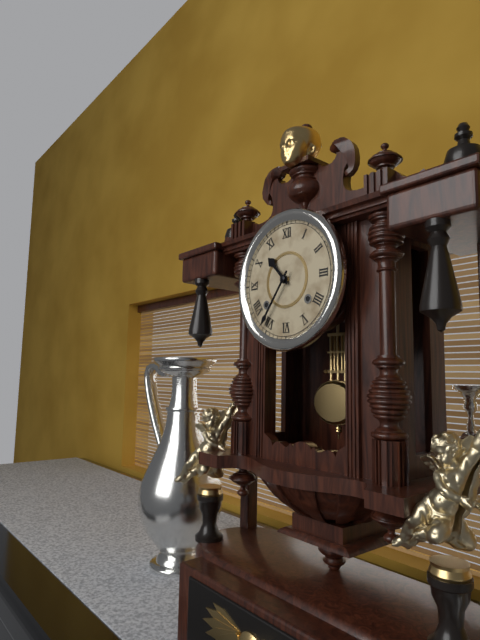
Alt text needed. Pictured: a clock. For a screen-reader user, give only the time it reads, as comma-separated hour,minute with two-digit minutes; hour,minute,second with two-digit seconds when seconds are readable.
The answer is 10,36
